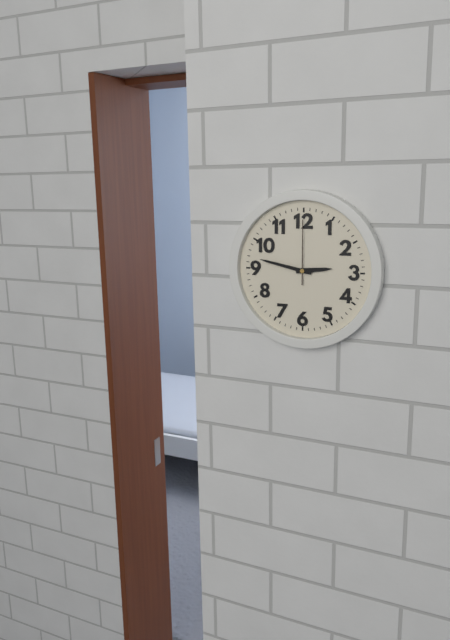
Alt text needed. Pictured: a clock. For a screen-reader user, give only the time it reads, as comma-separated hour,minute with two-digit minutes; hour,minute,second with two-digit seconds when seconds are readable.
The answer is 2,47,00
